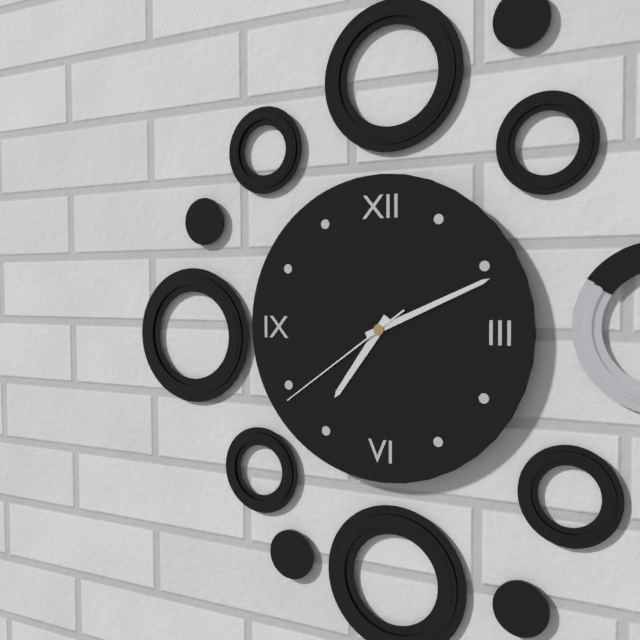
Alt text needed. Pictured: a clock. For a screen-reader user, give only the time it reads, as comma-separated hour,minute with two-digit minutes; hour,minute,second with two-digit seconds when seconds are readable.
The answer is 7,11,39
